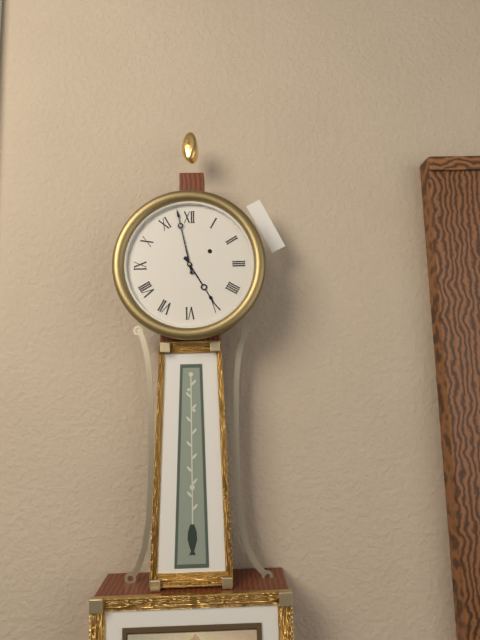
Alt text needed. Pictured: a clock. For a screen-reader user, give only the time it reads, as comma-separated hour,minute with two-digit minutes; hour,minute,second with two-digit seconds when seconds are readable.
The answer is 4,58
